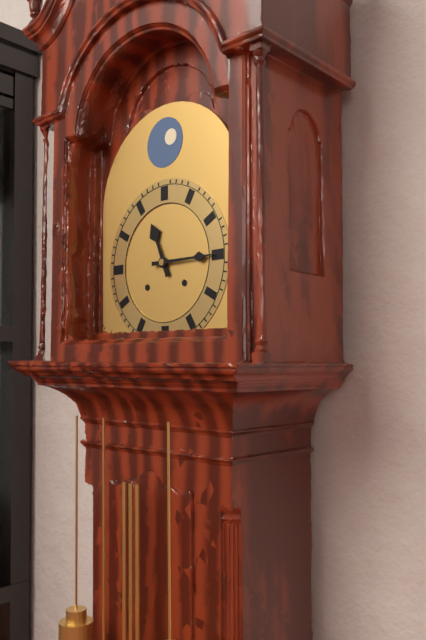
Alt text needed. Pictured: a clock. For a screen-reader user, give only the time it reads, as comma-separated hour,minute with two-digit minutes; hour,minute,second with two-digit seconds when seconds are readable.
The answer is 11,15
